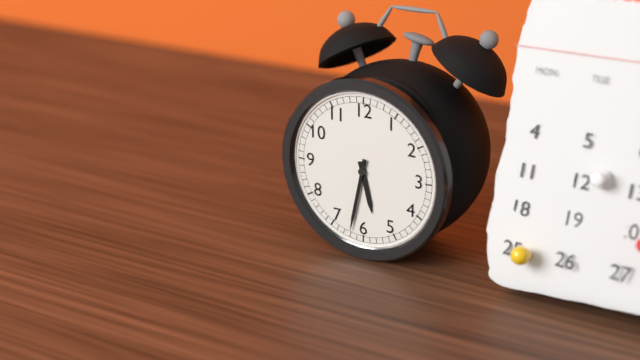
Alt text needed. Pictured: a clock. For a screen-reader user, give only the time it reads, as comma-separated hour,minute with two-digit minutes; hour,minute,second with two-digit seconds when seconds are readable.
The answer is 5,32
